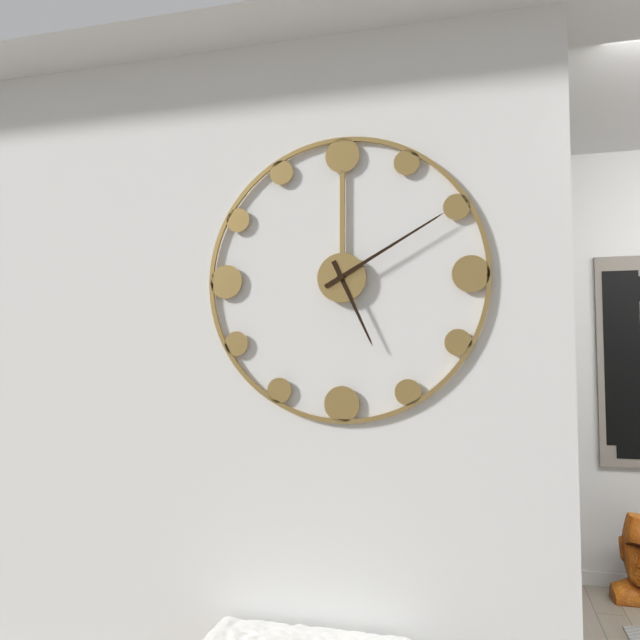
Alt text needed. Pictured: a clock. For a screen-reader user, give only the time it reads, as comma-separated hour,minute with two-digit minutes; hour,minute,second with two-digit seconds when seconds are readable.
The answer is 5,10
